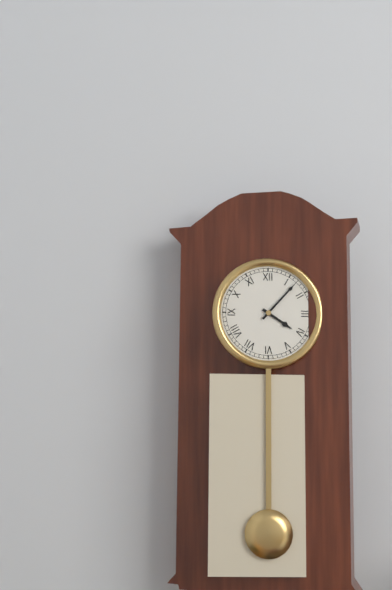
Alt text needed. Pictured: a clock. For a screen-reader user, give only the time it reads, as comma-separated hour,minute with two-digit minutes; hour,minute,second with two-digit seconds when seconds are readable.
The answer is 4,07
